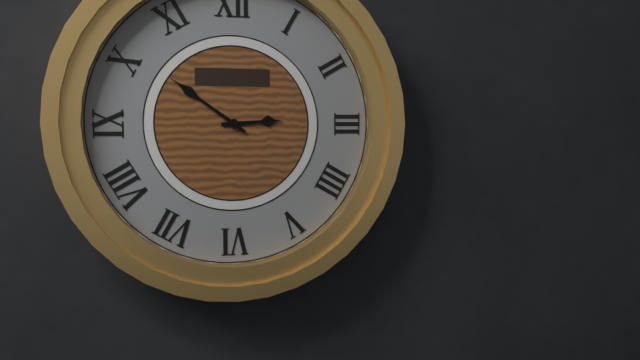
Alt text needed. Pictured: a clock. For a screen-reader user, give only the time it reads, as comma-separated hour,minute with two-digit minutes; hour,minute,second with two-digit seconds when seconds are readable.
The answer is 2,51
